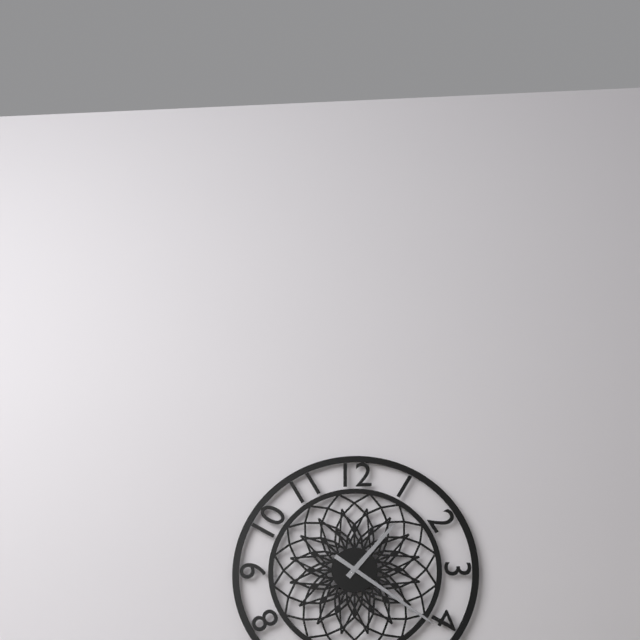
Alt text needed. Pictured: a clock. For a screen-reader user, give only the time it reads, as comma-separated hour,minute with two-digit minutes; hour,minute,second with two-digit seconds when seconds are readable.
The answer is 1,21
